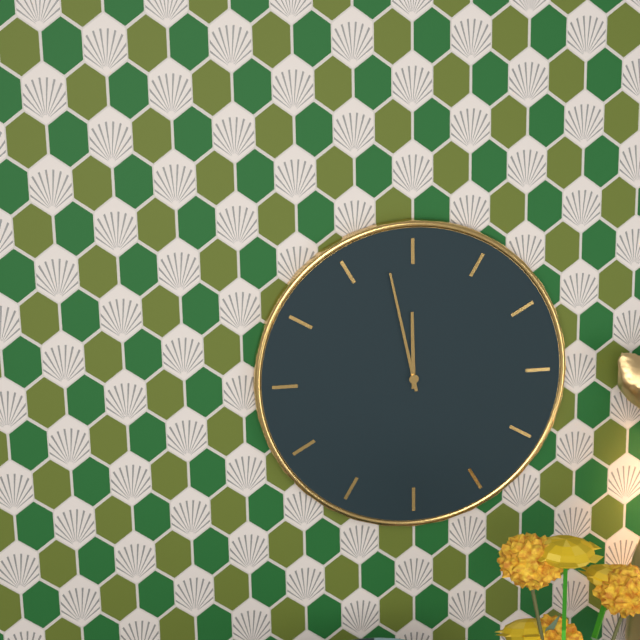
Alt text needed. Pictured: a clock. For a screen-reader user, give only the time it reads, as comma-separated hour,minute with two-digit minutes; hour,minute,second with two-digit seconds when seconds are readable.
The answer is 11,58
